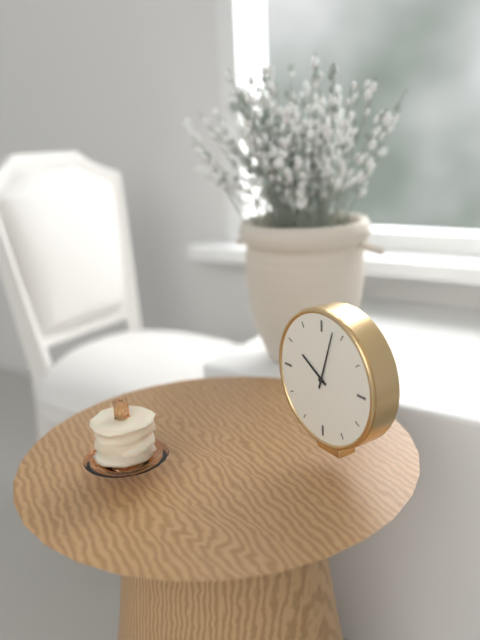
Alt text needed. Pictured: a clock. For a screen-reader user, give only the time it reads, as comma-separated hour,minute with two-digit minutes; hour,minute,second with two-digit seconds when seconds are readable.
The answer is 10,03
